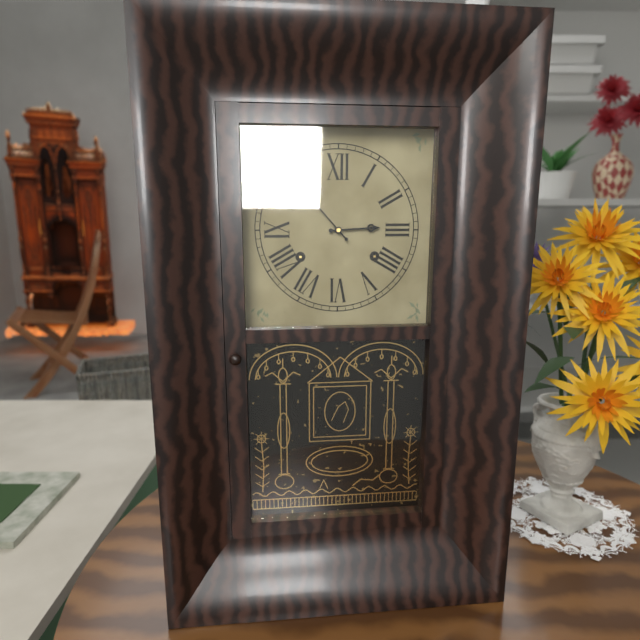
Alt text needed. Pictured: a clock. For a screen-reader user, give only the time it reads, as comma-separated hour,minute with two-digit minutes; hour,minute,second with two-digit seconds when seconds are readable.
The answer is 2,53
